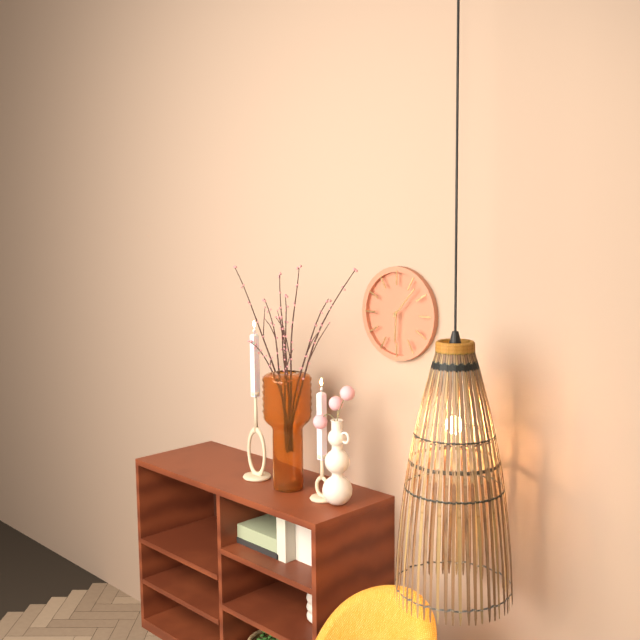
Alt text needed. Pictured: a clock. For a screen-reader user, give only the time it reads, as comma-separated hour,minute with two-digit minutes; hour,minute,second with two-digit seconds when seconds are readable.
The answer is 6,07
